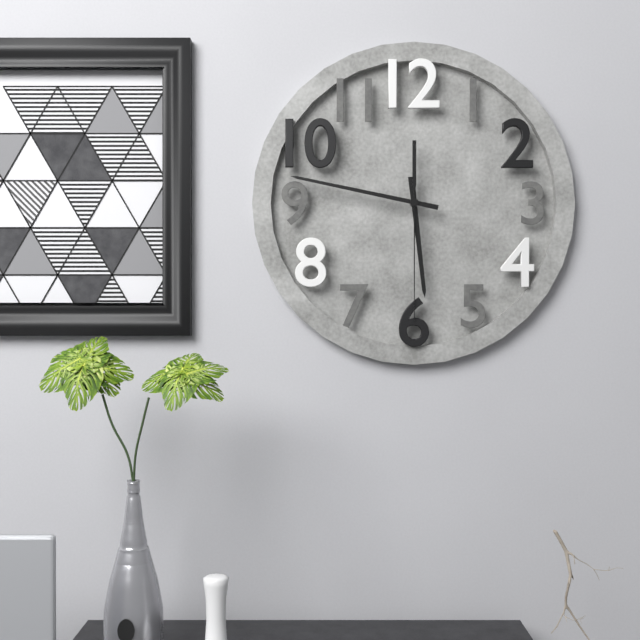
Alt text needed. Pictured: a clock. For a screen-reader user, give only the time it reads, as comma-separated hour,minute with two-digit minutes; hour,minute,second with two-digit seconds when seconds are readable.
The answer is 5,47,30
